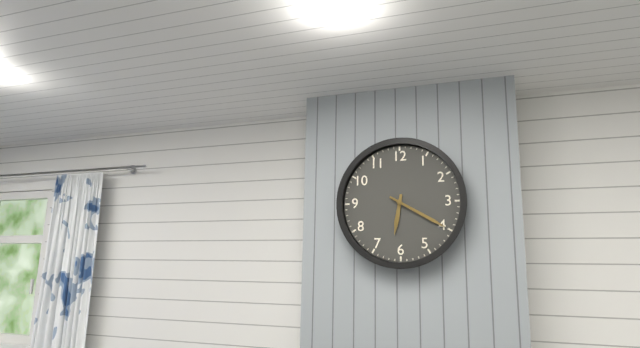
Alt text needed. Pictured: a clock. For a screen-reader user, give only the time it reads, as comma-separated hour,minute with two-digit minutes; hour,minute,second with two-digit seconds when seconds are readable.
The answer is 6,20
